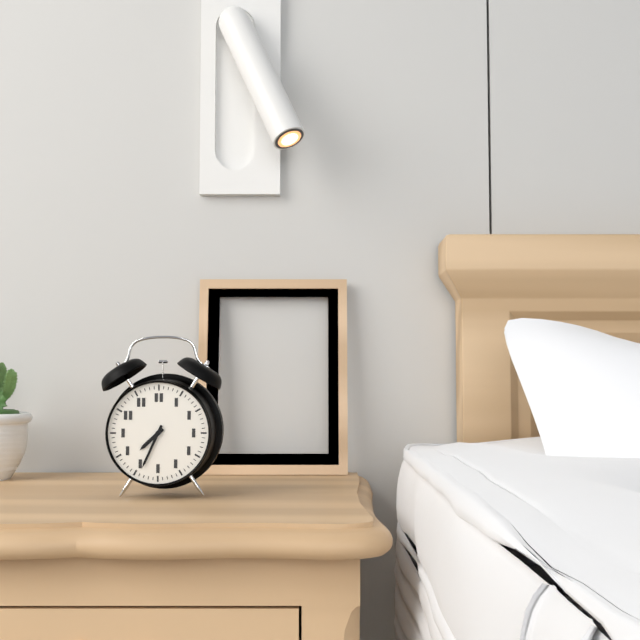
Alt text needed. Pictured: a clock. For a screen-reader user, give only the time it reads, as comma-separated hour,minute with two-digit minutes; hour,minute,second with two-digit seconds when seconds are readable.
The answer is 7,34
